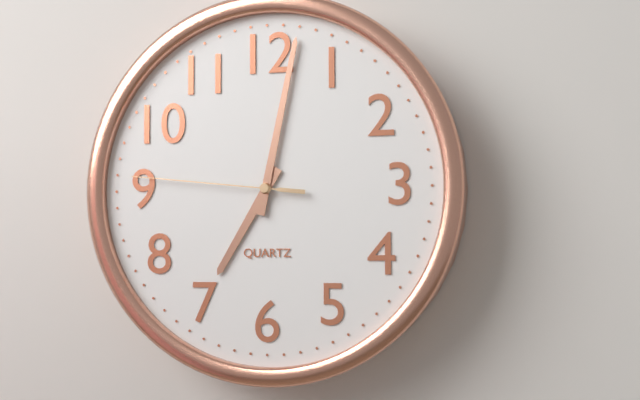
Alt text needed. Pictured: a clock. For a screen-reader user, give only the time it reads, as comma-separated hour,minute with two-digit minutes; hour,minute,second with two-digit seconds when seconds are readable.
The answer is 7,02,46
